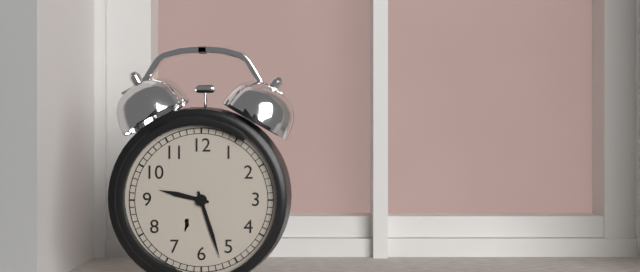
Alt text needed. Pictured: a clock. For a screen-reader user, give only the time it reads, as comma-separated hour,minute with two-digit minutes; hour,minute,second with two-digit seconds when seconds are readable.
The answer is 9,27
